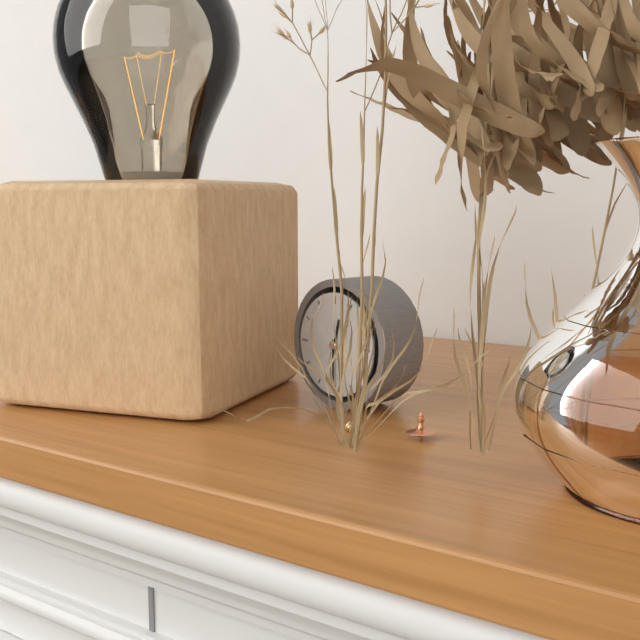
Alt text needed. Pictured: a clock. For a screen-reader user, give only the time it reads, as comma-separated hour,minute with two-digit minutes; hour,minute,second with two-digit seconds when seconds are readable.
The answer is 12,30
